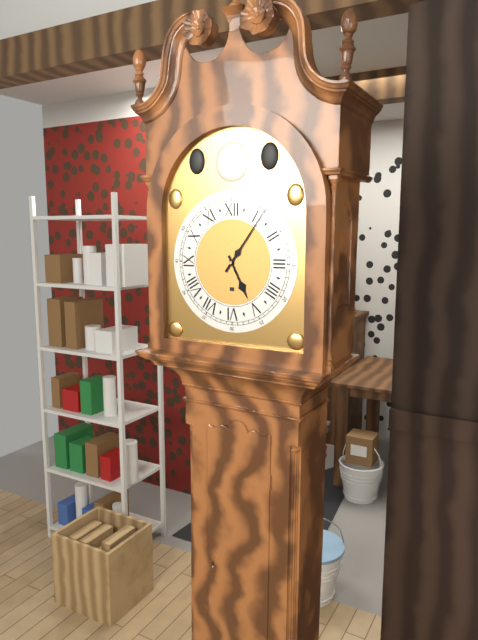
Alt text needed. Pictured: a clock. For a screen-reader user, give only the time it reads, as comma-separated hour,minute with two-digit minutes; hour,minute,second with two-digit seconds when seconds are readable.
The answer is 5,06
